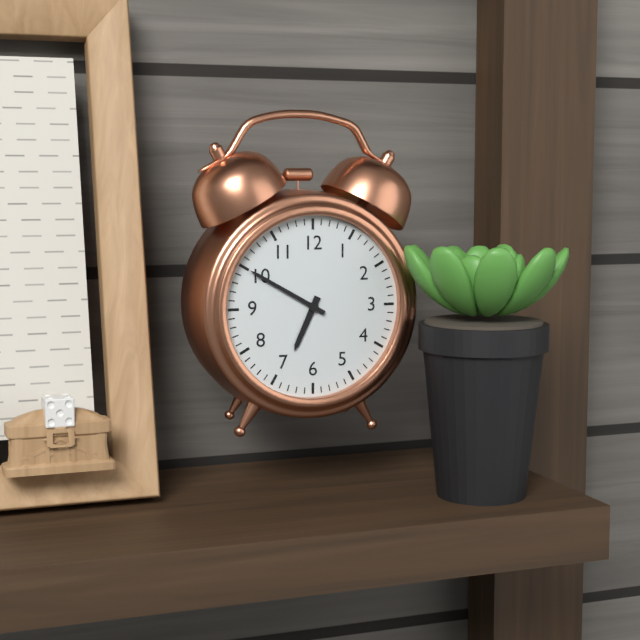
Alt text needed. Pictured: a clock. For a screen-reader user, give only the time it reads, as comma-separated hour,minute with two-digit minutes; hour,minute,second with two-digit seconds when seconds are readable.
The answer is 6,50
